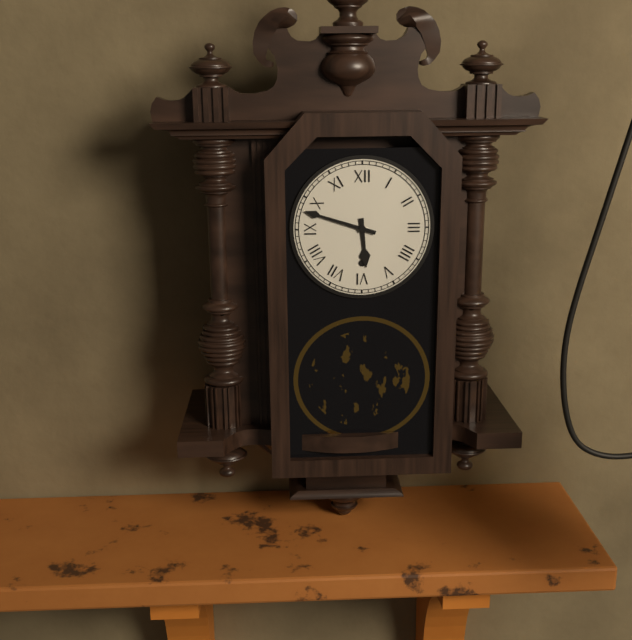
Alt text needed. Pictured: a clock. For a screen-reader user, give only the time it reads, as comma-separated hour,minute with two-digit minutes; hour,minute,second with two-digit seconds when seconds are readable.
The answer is 5,48
